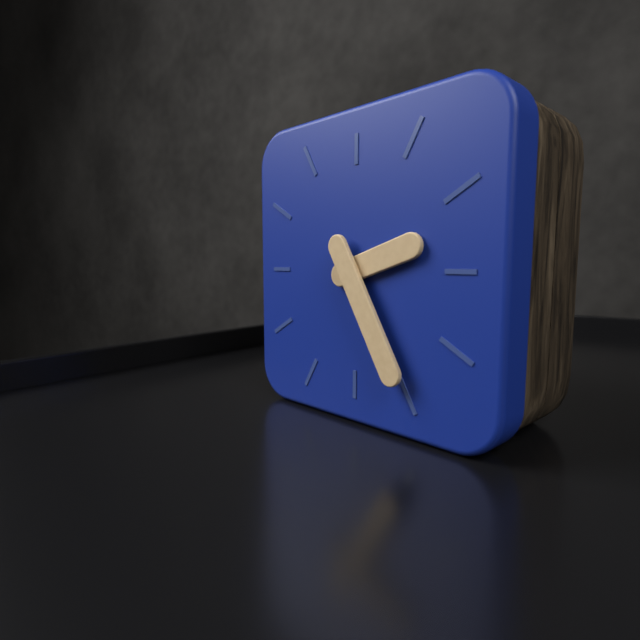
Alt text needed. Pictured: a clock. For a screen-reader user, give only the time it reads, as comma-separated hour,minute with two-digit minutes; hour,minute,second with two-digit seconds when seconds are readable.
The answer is 2,25
